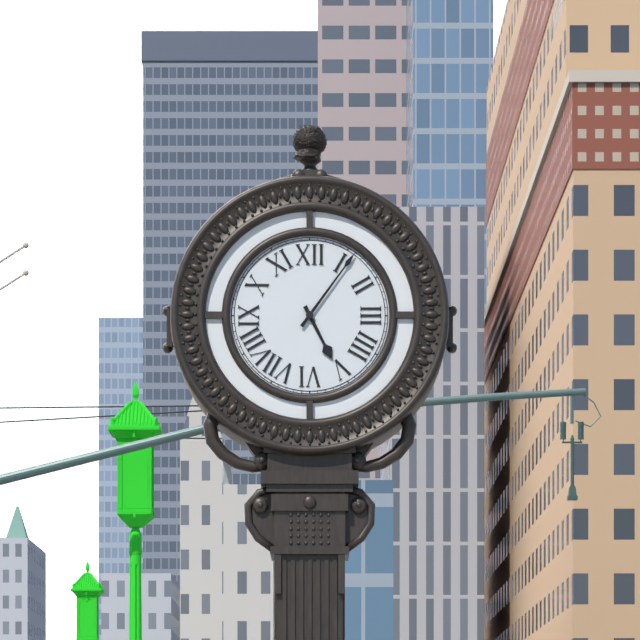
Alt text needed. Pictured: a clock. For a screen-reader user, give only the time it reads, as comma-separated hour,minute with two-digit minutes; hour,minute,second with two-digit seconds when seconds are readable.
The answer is 5,06
